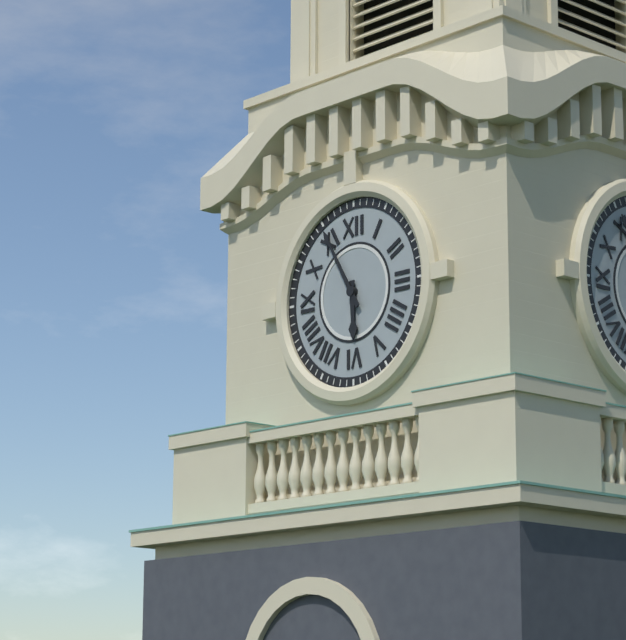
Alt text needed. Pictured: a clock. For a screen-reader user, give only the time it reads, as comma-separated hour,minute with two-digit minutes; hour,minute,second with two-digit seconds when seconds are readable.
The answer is 5,55
